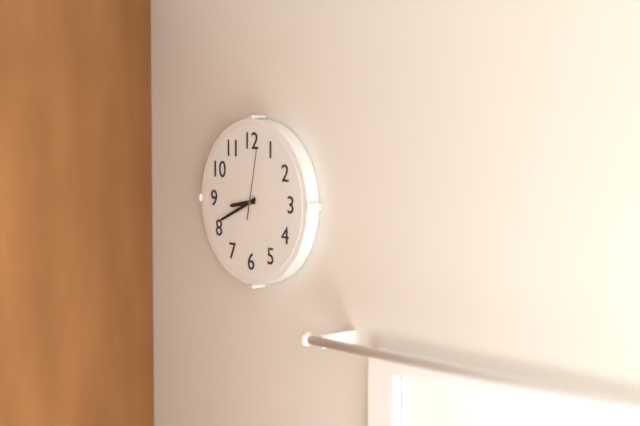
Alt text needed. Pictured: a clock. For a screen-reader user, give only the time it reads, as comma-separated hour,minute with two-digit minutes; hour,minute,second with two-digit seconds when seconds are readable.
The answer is 8,41,02
